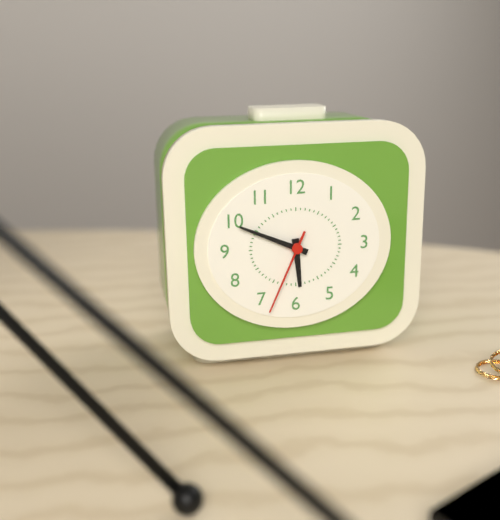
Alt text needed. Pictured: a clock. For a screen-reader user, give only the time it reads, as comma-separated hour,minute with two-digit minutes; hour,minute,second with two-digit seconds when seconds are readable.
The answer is 5,49,34
